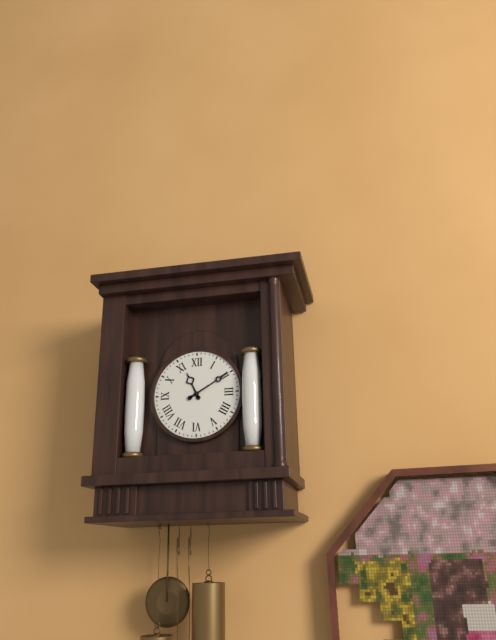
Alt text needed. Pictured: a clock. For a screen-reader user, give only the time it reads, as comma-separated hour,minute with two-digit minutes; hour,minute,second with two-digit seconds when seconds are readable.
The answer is 11,10
